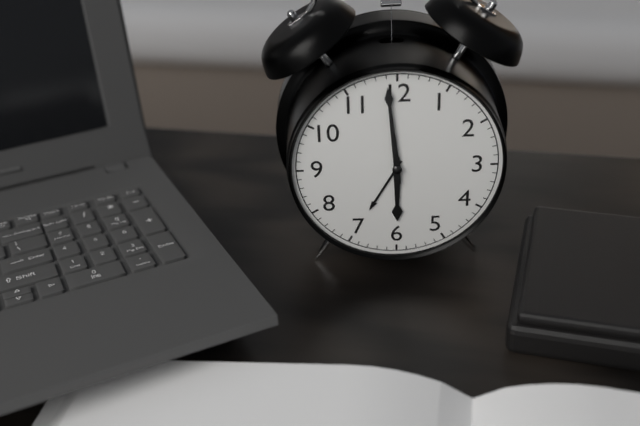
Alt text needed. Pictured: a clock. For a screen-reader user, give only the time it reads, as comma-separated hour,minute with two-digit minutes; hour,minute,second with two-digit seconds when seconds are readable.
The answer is 5,59
